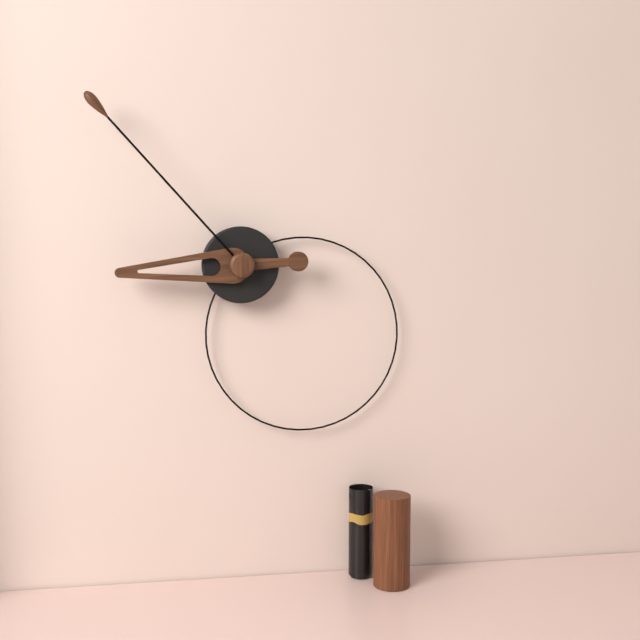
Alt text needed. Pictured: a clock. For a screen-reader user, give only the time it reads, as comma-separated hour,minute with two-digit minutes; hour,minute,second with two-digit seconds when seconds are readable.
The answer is 8,53
